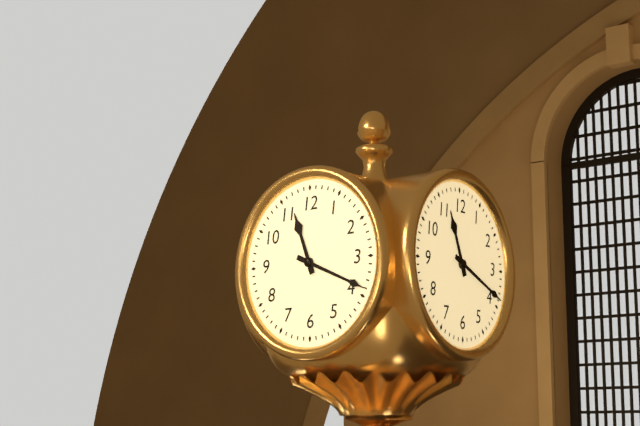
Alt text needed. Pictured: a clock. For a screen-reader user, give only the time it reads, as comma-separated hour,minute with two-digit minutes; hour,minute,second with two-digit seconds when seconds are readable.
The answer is 11,19
